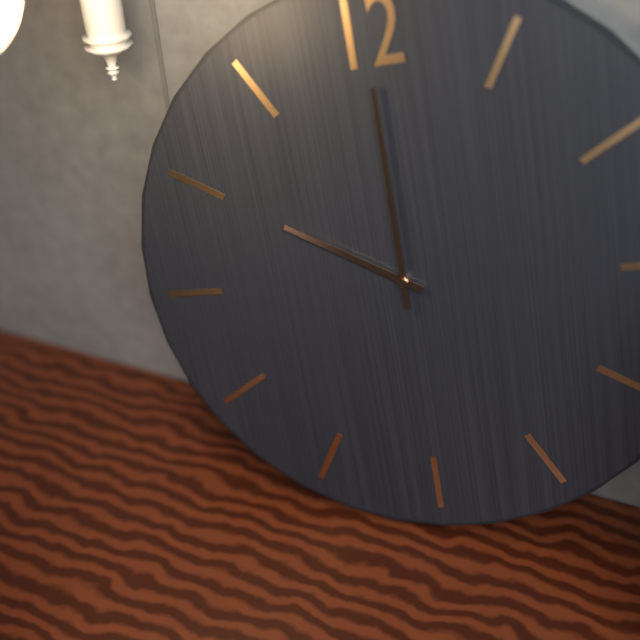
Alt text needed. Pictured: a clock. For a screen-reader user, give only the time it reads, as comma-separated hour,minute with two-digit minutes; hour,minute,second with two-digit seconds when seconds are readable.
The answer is 10,00
